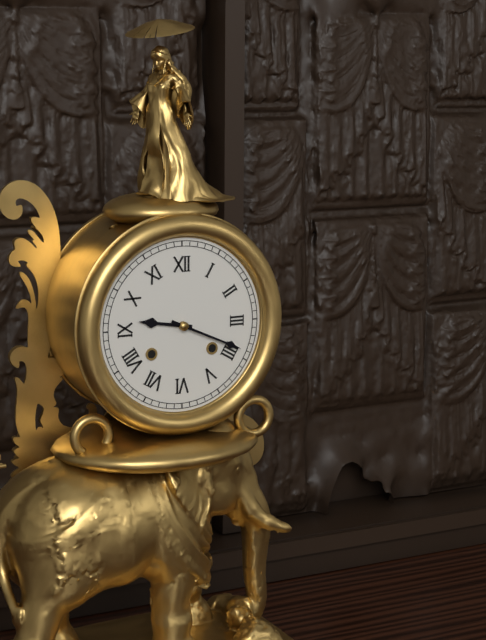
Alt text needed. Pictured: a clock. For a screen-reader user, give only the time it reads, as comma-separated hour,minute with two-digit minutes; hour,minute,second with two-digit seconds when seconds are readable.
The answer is 9,19
